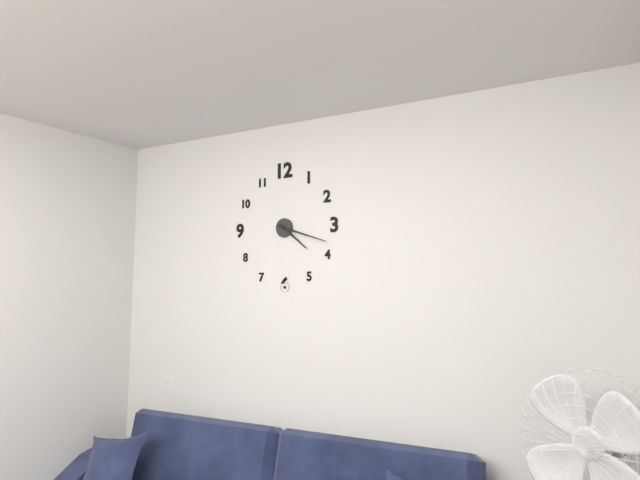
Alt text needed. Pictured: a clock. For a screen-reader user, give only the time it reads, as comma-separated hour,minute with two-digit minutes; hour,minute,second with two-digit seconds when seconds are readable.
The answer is 4,18
